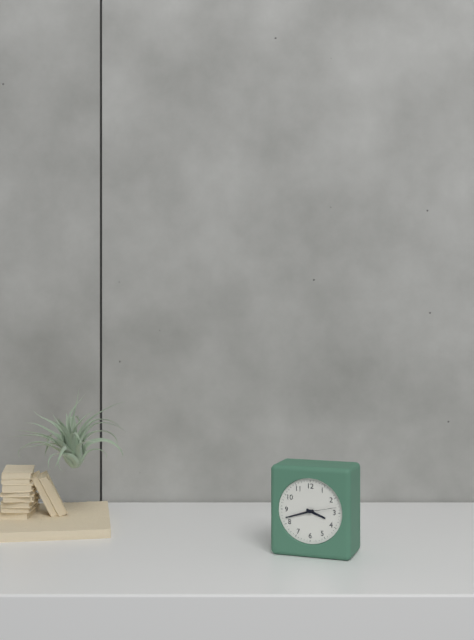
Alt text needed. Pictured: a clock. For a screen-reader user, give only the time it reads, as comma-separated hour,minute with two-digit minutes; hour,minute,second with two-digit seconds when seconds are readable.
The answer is 3,42
